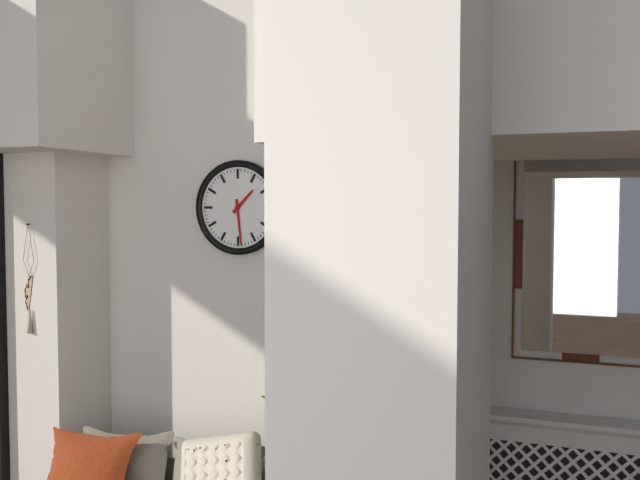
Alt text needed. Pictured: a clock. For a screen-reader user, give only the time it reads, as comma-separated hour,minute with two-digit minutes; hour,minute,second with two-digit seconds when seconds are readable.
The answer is 1,29
